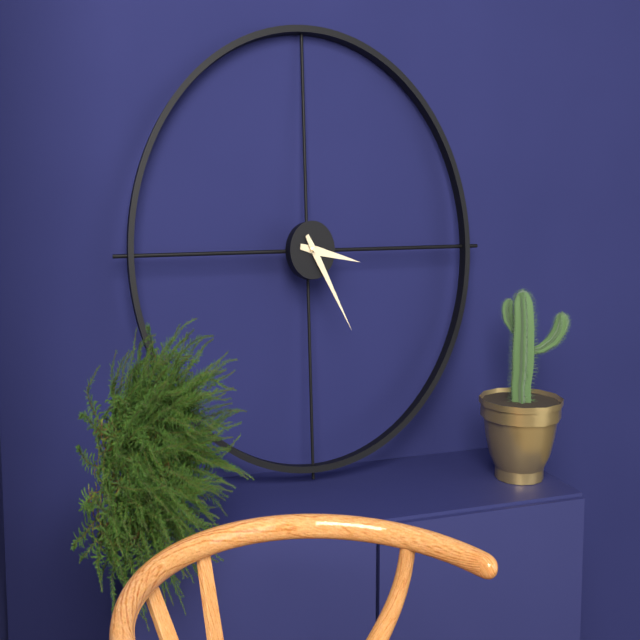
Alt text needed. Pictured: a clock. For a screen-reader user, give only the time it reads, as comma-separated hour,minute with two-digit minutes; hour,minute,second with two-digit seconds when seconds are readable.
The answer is 3,25
